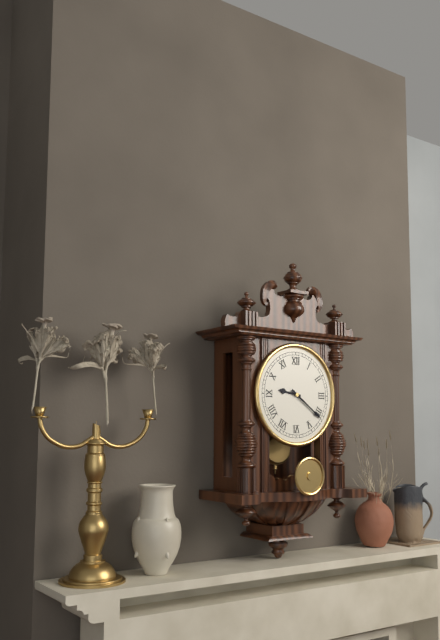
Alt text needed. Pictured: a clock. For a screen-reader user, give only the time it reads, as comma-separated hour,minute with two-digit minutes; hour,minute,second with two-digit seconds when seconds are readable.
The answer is 9,21
